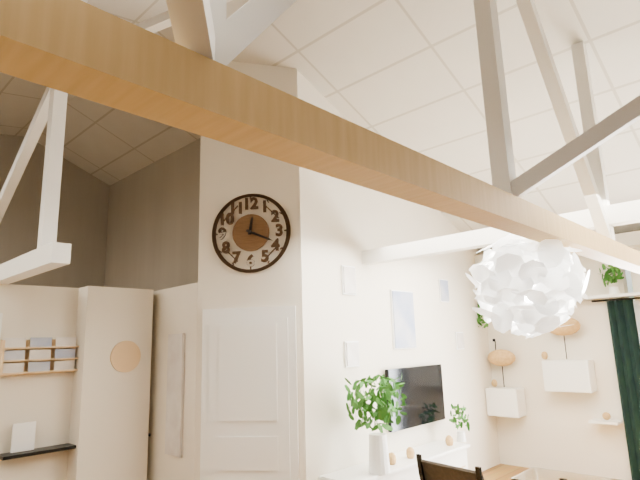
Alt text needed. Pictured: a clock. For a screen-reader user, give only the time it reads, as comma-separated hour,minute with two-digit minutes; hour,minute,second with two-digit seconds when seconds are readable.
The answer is 12,19
